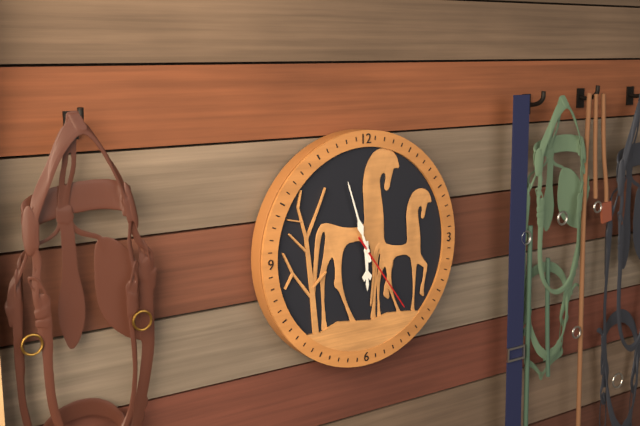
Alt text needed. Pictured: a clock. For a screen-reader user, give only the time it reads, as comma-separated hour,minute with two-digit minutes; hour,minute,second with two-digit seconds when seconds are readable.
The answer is 5,57,24
